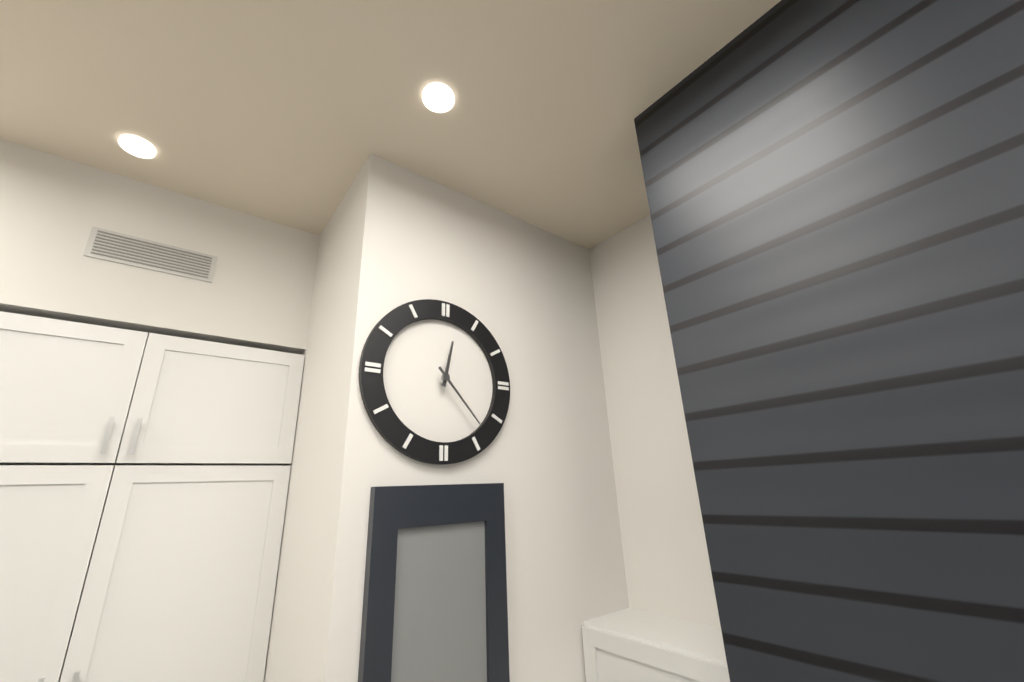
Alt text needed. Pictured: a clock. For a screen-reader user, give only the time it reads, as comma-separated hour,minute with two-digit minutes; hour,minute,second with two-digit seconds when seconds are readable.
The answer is 12,23
